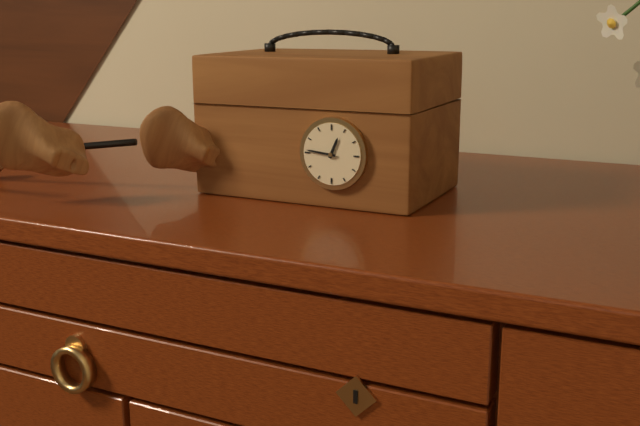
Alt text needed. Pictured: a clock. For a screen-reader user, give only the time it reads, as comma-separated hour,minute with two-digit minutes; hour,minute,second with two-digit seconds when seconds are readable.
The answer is 12,46
